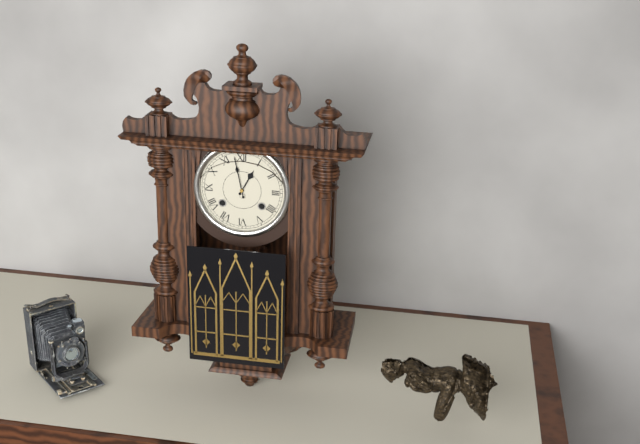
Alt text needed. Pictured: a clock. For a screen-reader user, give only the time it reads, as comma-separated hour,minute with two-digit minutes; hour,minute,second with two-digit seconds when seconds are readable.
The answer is 12,58
